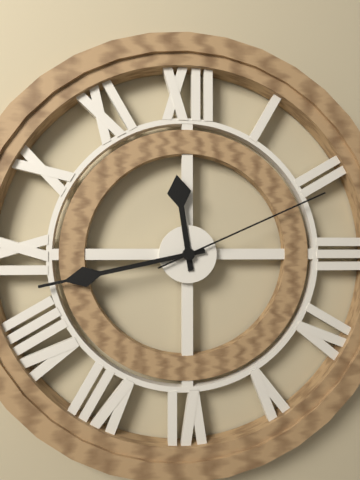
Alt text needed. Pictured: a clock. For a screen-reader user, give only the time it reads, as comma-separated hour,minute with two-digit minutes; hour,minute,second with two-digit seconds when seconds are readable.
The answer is 11,43,11
